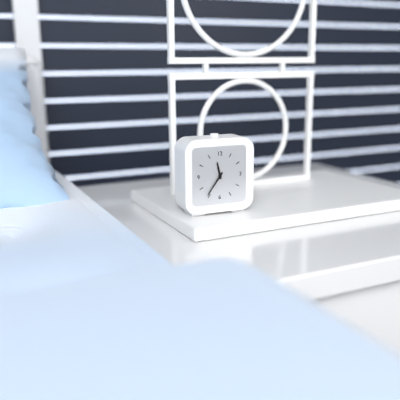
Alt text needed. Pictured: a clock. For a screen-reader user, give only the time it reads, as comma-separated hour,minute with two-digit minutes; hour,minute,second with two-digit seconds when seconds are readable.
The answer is 11,36
